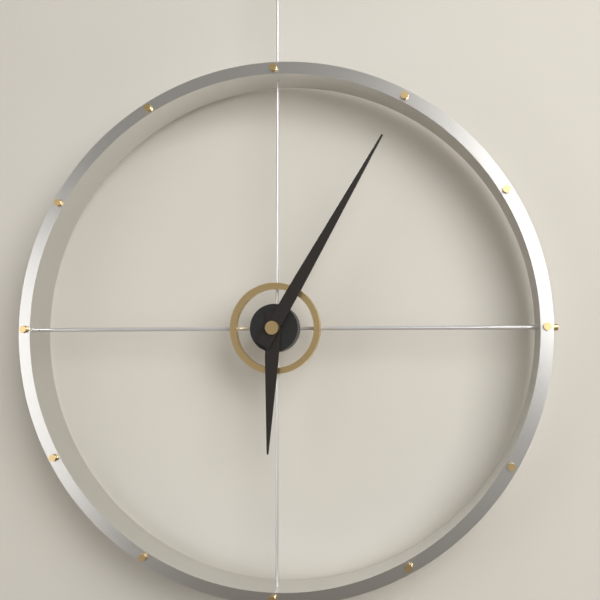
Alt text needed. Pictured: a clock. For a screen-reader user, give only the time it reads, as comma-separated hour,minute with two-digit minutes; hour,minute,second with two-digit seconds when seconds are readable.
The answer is 6,05
